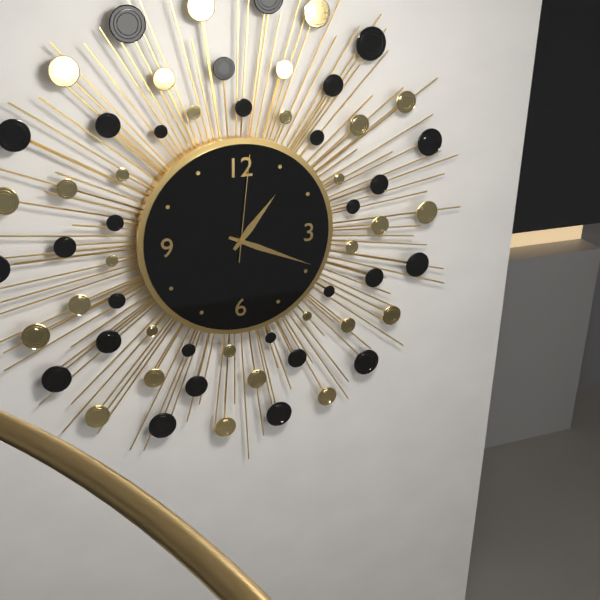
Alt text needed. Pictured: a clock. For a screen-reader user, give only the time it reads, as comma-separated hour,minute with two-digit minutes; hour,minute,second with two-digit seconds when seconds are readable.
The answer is 1,19,01
